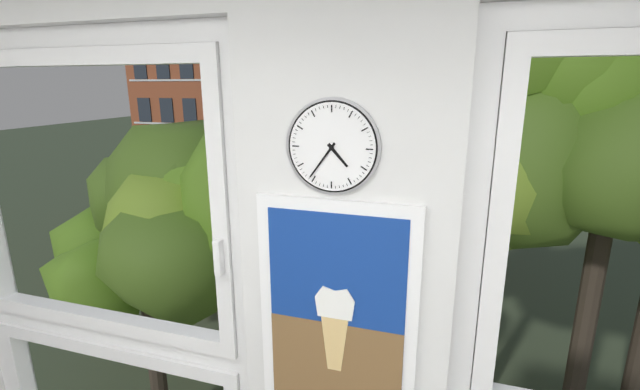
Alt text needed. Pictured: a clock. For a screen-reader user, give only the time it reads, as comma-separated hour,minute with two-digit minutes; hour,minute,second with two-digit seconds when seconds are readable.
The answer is 4,36
